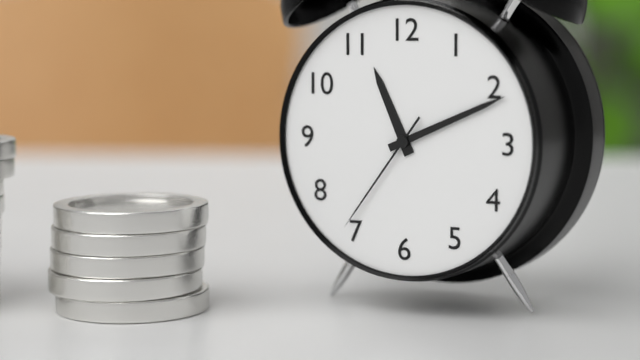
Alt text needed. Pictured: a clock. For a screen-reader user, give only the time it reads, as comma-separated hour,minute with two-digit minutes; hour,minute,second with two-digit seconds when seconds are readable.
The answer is 11,11,36
